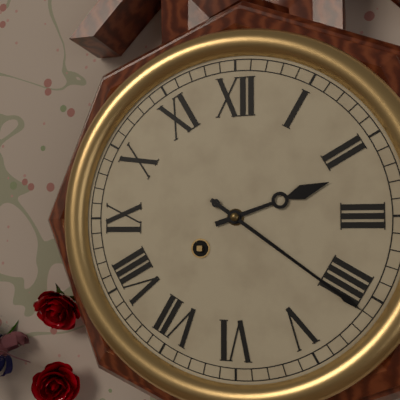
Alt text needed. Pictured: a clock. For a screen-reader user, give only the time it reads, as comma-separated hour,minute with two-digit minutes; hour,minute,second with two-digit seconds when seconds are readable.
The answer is 2,21
